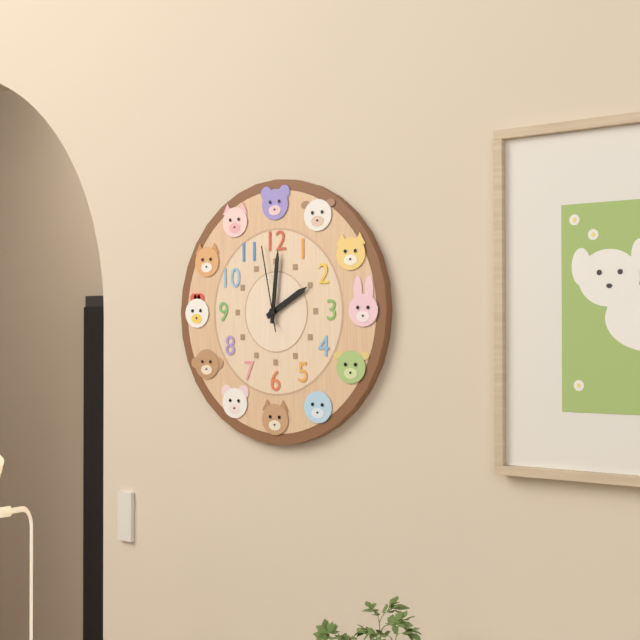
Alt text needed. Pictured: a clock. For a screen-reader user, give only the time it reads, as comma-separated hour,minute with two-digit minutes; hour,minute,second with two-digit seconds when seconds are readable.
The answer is 2,01,58
